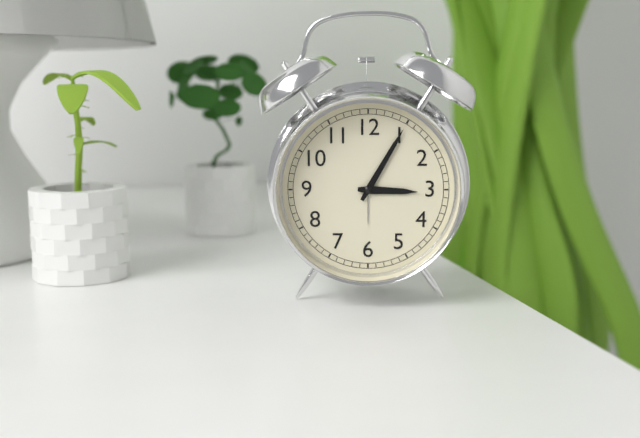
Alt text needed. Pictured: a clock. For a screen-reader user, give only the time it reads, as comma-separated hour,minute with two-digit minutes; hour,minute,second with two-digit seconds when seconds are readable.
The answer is 3,05
